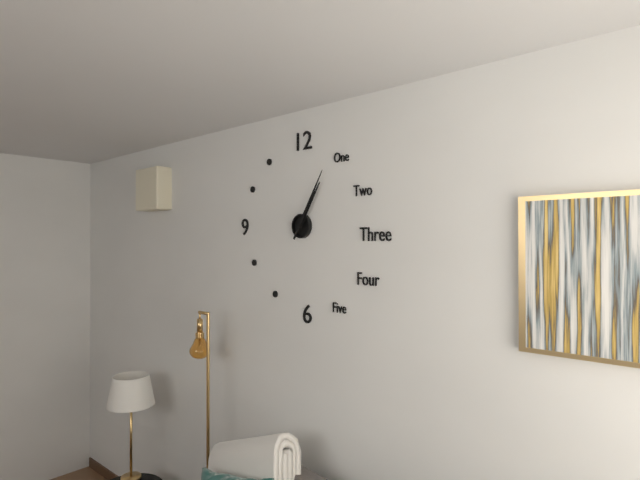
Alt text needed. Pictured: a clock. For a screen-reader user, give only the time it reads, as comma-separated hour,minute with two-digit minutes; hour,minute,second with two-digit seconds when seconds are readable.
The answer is 1,05
